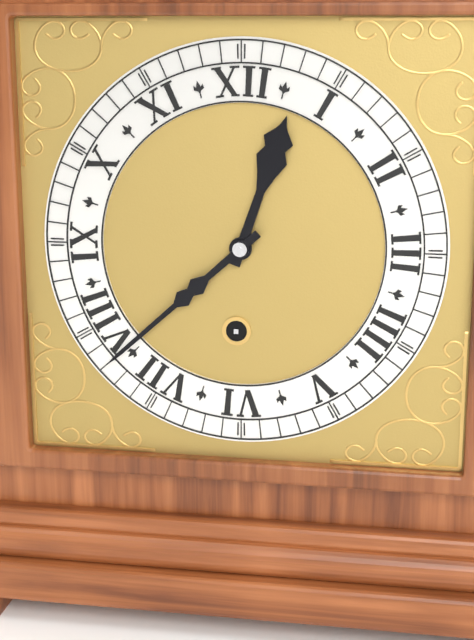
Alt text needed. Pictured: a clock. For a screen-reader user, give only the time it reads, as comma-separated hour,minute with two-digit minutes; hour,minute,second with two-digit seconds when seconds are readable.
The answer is 12,38
